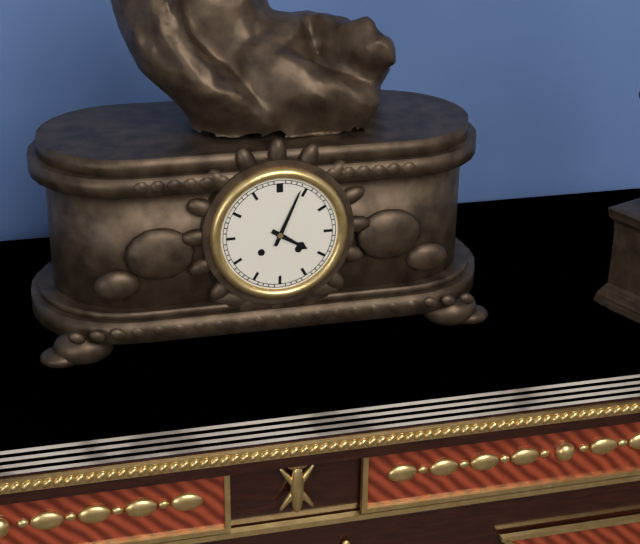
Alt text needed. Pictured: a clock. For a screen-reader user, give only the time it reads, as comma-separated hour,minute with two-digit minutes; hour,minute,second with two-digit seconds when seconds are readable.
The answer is 4,04
